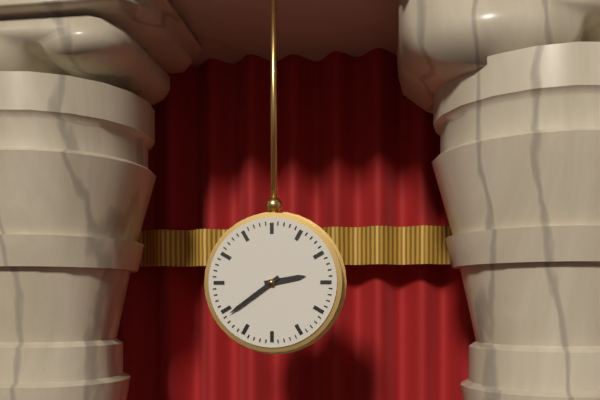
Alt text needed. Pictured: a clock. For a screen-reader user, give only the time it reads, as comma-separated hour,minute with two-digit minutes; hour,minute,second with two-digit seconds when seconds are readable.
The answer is 2,39
